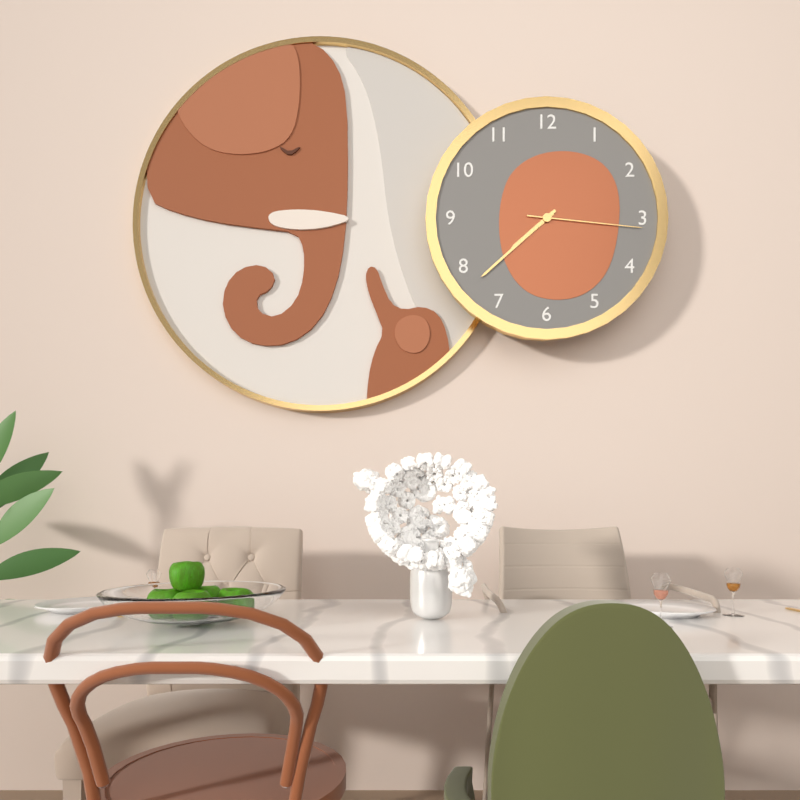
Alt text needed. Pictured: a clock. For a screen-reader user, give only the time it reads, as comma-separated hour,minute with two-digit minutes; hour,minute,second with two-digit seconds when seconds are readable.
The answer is 7,38,16
